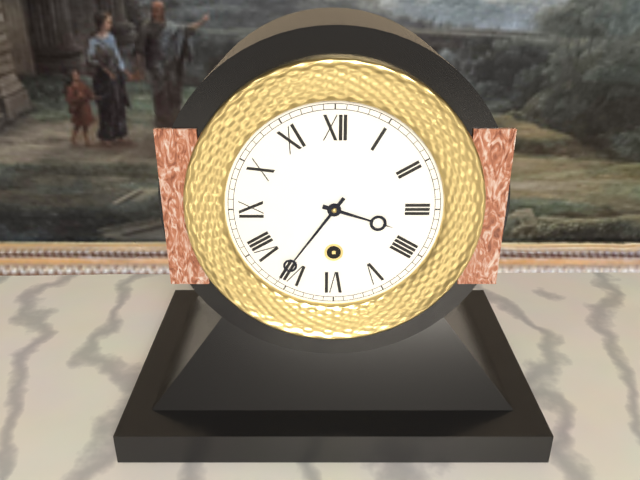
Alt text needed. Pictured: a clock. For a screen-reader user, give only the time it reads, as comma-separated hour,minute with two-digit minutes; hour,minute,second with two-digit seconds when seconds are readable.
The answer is 3,36
